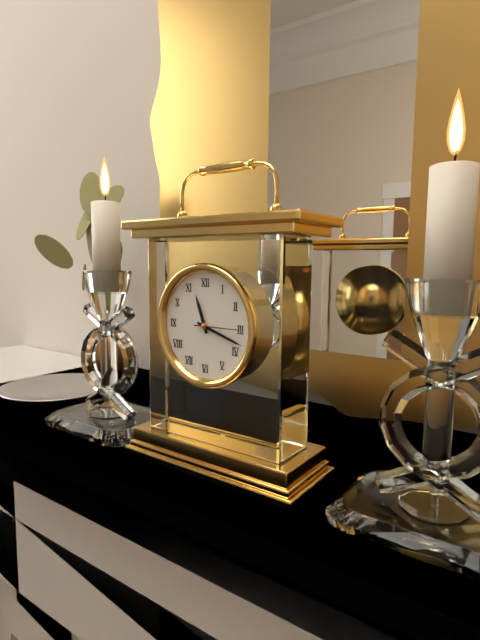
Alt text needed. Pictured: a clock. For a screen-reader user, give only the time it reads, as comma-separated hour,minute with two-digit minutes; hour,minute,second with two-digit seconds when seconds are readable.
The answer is 11,18
